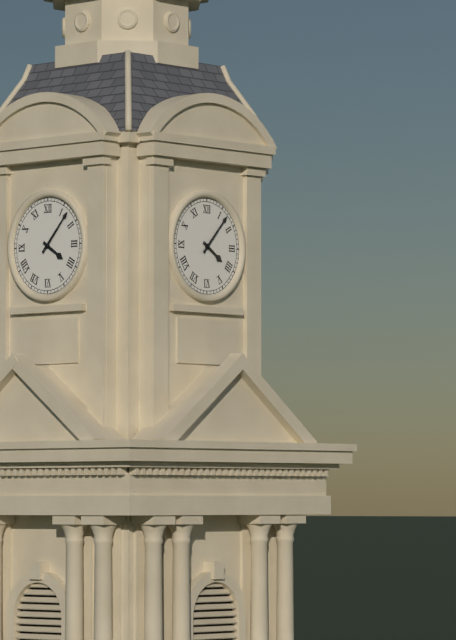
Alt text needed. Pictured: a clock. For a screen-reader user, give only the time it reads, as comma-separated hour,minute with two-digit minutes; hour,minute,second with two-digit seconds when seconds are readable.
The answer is 4,07
